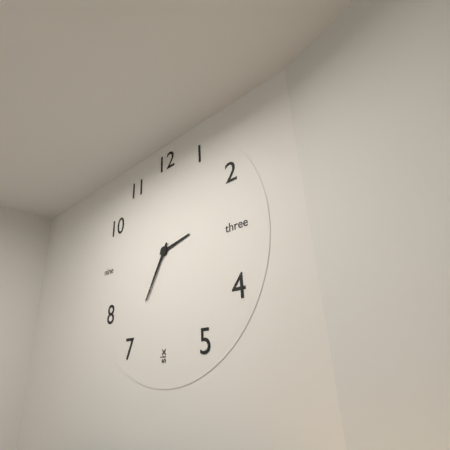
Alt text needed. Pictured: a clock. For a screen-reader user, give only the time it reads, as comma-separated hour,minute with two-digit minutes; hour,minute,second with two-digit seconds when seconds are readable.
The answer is 2,35
